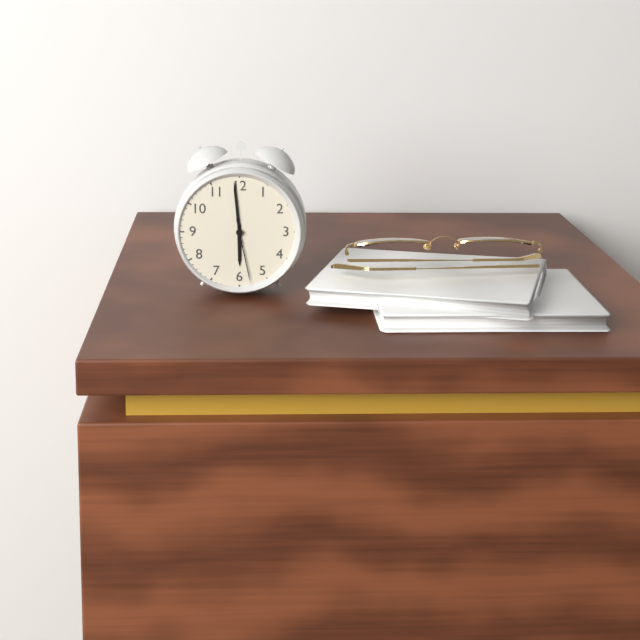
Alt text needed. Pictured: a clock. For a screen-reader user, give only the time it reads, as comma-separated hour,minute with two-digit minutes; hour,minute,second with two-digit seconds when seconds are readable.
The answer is 5,59,28
